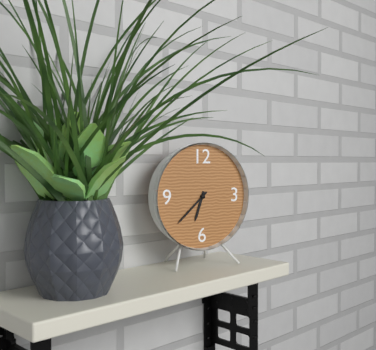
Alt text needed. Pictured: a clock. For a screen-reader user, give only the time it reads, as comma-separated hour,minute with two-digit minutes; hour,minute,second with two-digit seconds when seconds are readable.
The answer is 6,38
